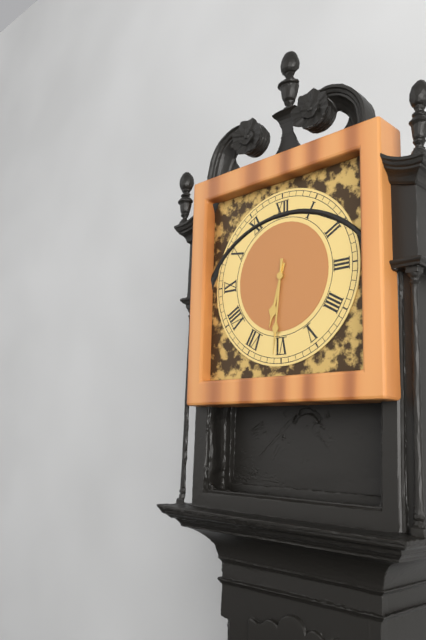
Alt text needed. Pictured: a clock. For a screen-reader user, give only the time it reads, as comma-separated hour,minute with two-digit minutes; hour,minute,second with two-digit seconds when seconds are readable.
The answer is 6,31
